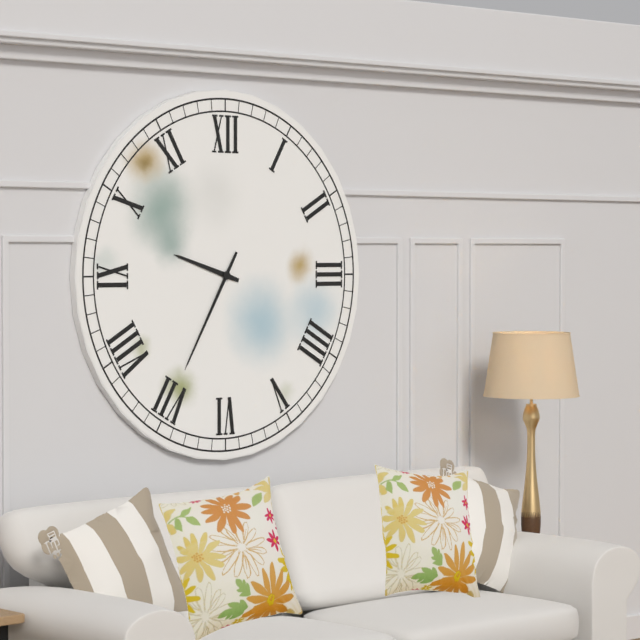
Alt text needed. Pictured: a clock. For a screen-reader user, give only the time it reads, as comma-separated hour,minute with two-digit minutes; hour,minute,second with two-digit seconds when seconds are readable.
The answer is 9,35
